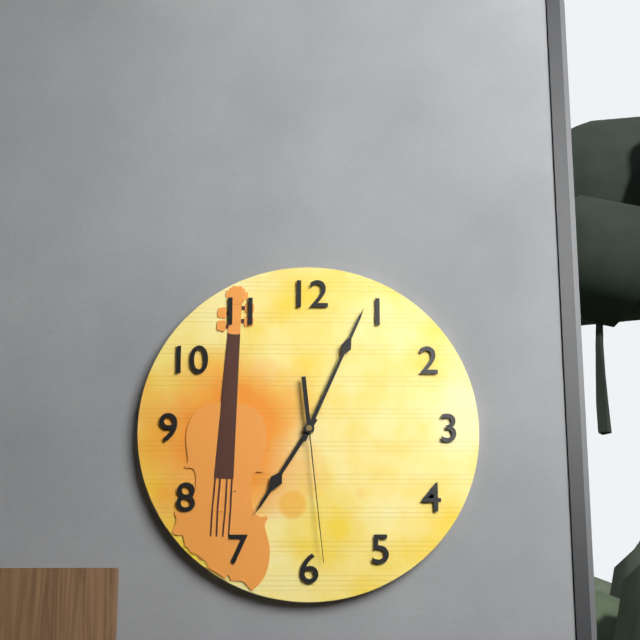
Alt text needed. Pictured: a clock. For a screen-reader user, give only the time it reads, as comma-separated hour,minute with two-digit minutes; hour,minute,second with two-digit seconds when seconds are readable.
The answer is 7,04,29
